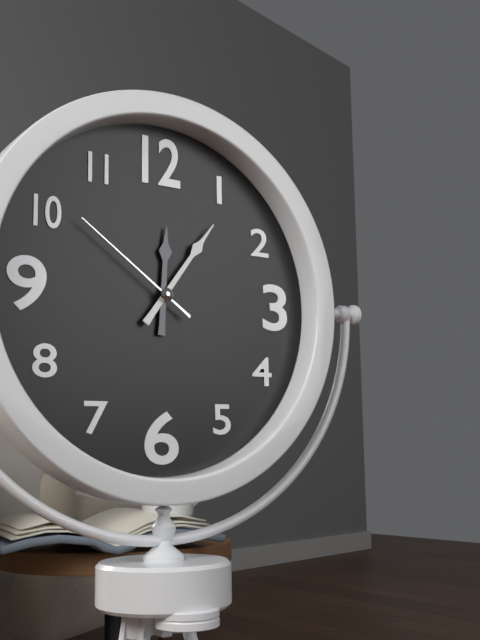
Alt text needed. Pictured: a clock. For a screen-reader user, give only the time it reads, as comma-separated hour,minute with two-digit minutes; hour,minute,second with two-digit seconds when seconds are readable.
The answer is 12,06,51
